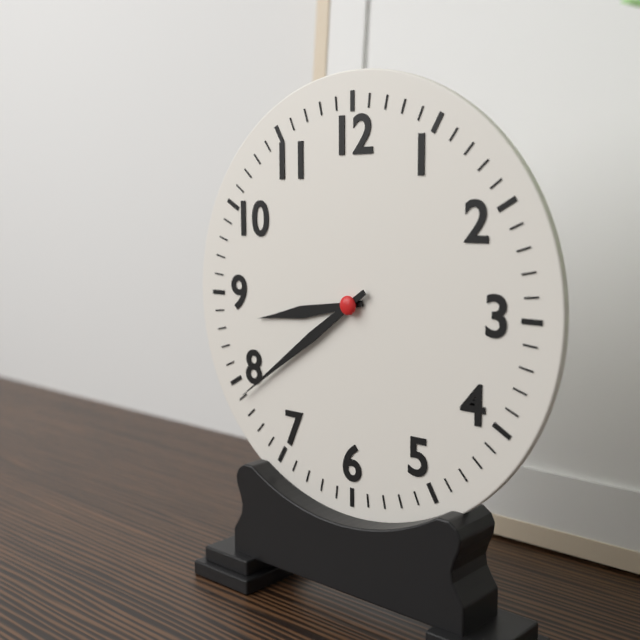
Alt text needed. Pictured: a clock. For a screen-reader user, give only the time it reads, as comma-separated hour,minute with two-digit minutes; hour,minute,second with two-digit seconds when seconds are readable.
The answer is 8,39
